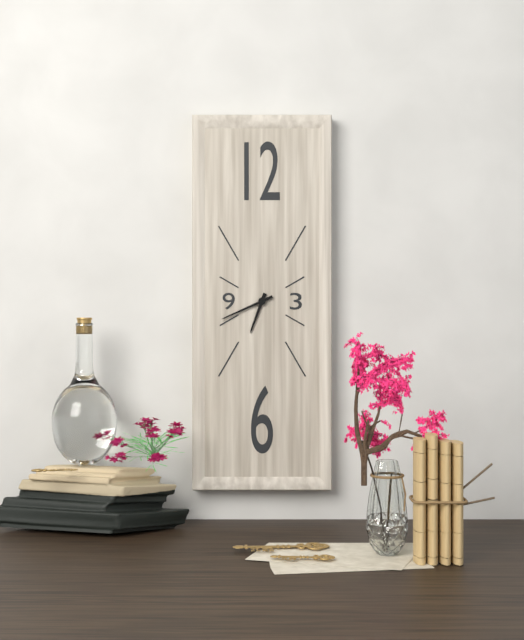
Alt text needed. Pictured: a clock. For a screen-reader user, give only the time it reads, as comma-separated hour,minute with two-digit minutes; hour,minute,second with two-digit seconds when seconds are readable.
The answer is 6,41
